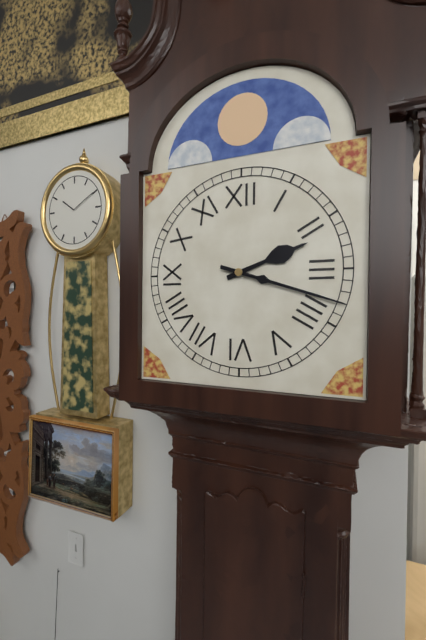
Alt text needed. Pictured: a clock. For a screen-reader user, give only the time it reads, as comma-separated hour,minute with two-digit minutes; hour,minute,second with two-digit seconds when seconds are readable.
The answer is 2,18
